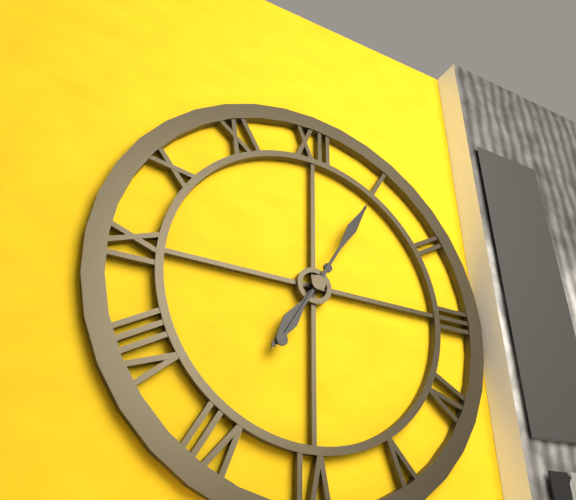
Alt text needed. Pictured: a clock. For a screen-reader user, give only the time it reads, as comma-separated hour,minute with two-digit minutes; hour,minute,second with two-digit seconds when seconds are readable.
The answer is 7,05
